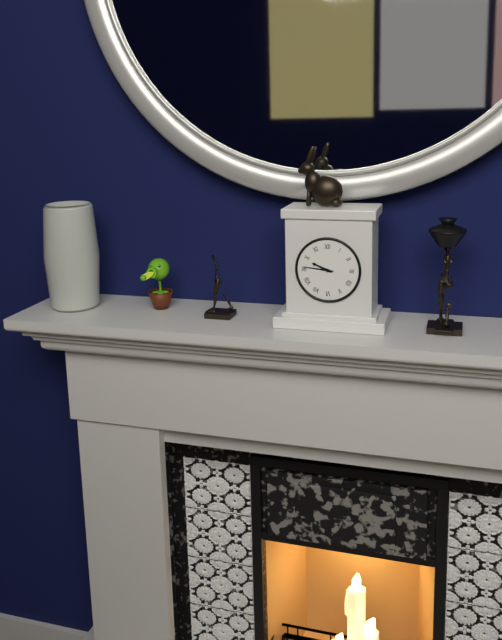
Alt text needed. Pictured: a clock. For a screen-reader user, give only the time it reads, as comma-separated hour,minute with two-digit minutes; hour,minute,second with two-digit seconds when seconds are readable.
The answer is 9,46
